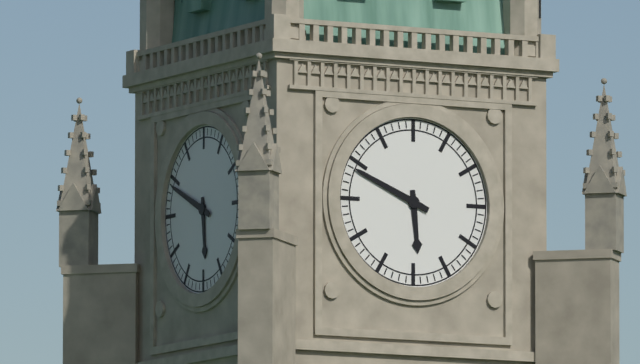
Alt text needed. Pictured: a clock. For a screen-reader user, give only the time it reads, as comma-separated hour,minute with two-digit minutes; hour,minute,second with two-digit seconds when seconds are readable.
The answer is 5,49
